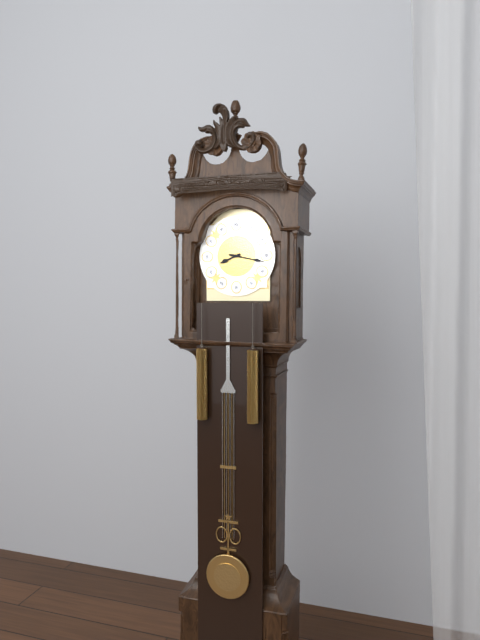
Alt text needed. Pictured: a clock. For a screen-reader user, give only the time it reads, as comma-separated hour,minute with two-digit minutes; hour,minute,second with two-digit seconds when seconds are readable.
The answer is 8,17
